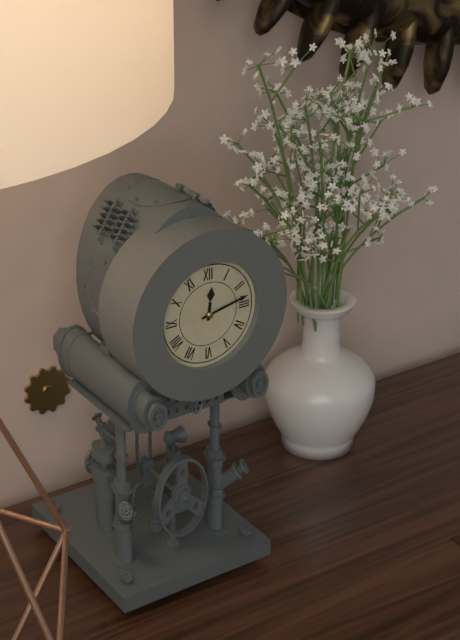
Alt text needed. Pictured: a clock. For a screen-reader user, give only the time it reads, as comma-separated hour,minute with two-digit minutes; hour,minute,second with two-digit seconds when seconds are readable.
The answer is 12,13
